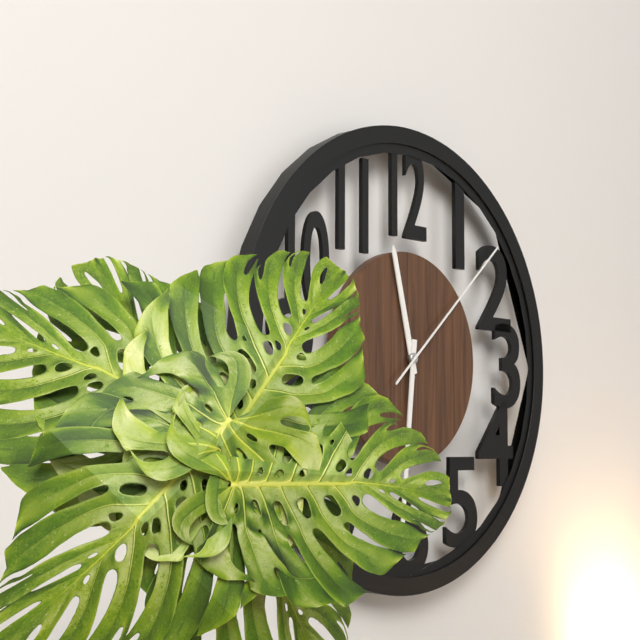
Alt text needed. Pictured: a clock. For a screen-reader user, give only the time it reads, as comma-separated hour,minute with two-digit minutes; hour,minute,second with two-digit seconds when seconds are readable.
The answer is 11,31,08
